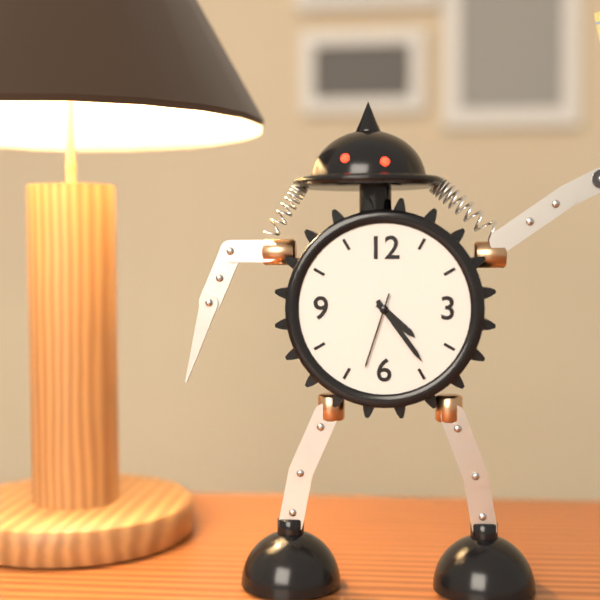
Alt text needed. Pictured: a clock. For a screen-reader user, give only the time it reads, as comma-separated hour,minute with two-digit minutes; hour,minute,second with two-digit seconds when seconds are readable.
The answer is 4,24,33
